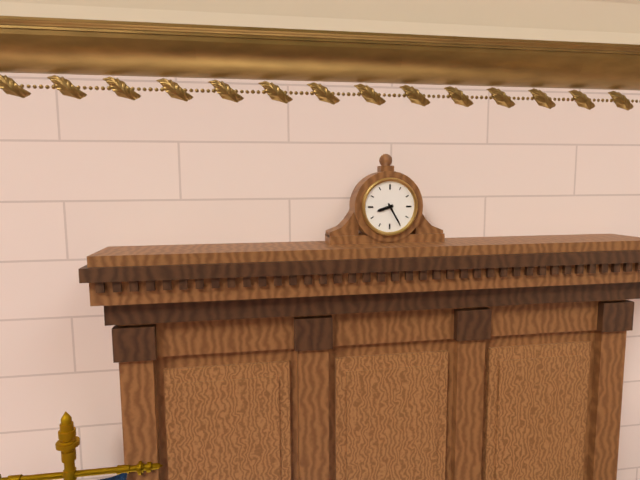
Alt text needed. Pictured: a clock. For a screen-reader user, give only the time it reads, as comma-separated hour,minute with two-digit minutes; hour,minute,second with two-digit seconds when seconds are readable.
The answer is 8,25
